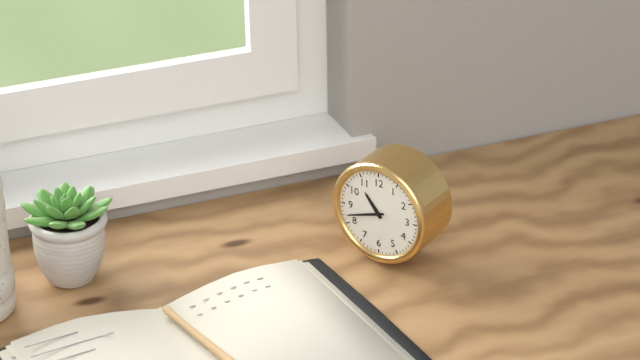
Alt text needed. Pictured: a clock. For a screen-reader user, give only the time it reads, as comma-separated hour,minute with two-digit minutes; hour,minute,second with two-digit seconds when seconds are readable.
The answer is 10,42
